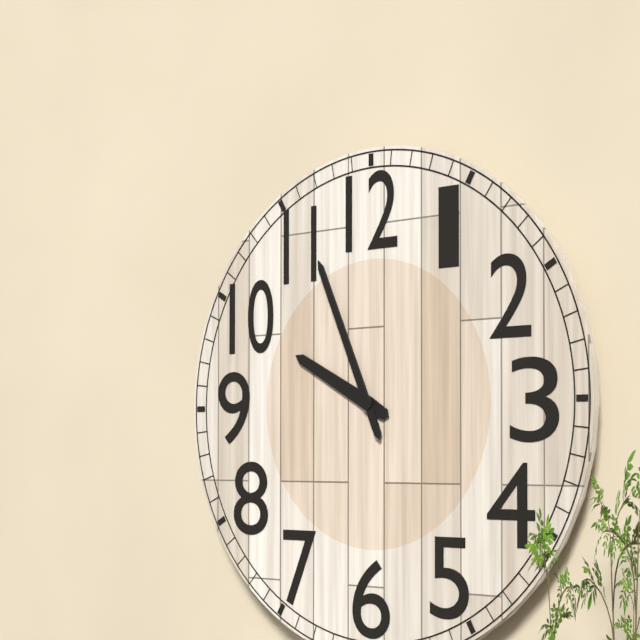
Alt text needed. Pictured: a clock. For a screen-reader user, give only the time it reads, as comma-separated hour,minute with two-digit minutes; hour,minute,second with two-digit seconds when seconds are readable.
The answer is 9,56
